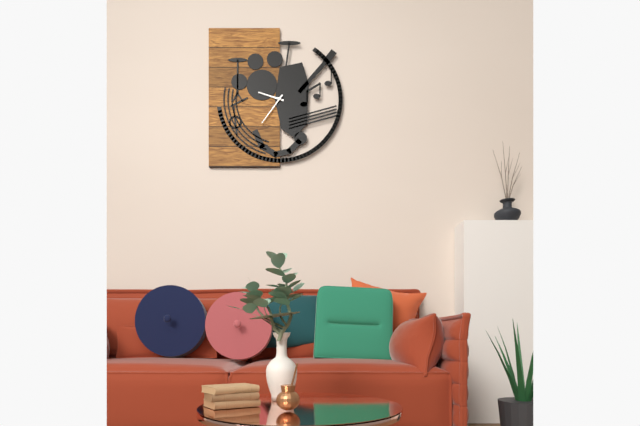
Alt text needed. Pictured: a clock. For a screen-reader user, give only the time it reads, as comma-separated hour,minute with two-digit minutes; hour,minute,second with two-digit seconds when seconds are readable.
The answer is 9,36
